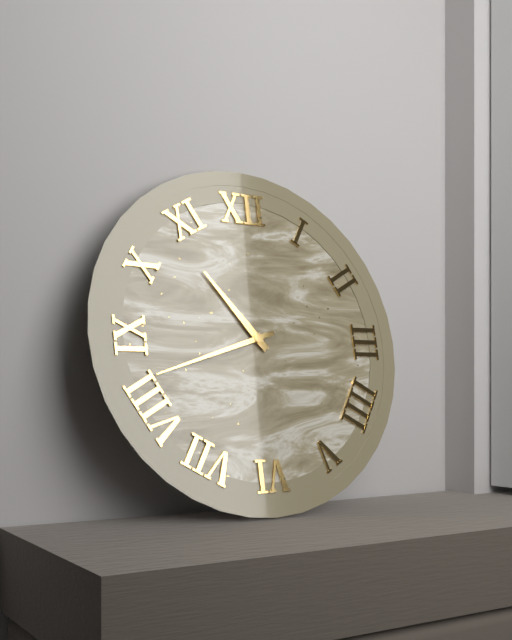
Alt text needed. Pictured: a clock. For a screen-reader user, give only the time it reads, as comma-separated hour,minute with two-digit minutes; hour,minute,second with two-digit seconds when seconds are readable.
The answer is 10,42
